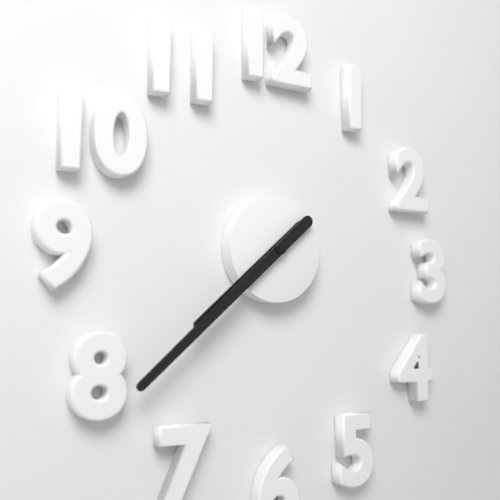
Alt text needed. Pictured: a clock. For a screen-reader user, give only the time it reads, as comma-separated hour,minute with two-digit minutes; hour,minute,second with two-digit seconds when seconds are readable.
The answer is 7,38
